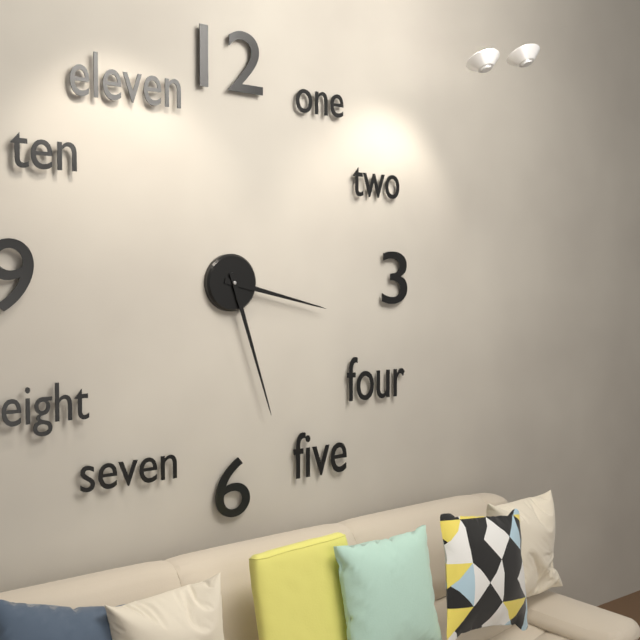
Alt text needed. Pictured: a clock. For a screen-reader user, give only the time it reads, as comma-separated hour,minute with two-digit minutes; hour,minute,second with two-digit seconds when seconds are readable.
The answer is 3,27
